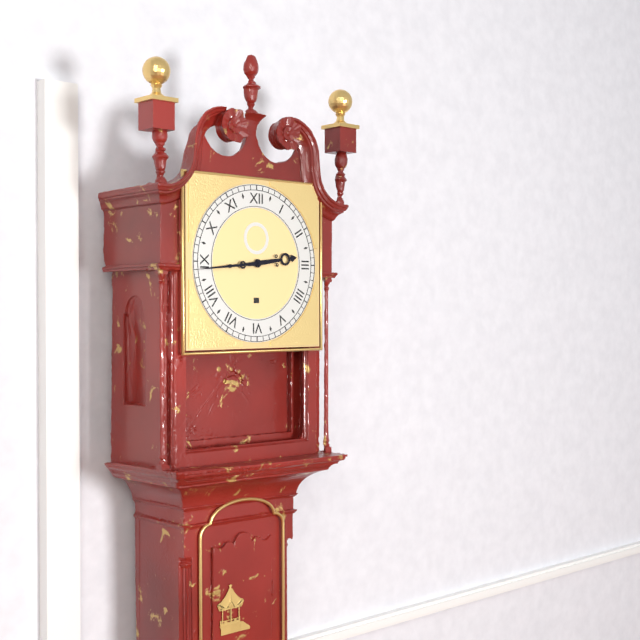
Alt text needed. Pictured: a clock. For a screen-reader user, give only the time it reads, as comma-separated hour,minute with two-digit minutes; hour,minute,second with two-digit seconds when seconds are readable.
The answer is 2,44
